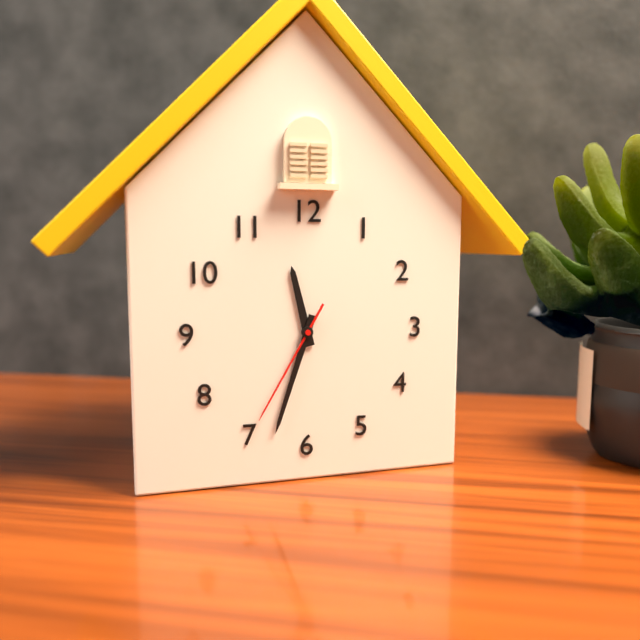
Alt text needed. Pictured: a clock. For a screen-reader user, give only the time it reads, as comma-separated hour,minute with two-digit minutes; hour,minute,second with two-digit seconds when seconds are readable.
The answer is 11,33,35
